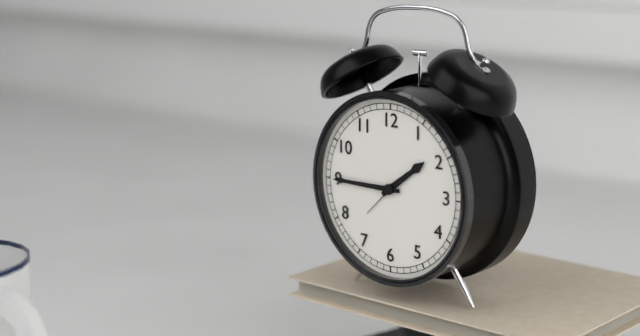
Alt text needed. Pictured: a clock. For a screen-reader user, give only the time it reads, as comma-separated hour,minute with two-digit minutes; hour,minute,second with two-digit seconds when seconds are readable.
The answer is 1,45
